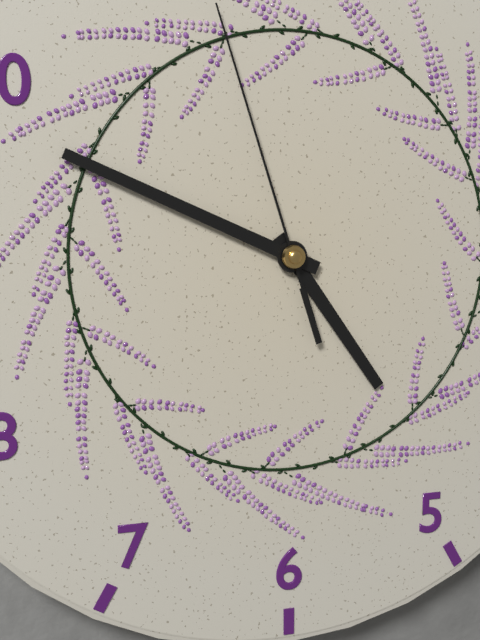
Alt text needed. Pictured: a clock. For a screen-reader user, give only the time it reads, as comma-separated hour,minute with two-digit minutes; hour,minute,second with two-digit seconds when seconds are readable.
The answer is 4,49,57
